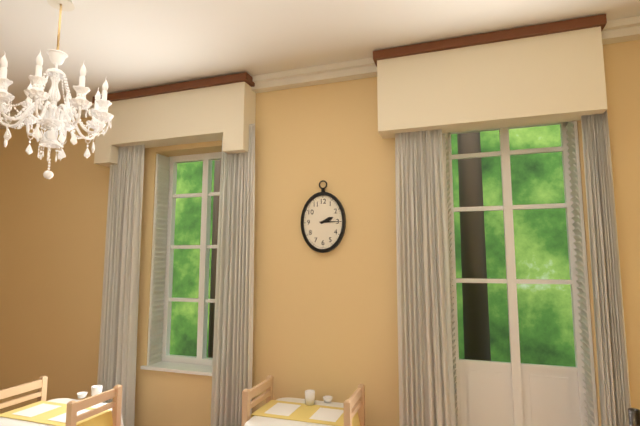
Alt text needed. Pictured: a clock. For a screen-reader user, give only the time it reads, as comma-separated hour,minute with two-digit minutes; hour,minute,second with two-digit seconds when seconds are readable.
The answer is 2,15
